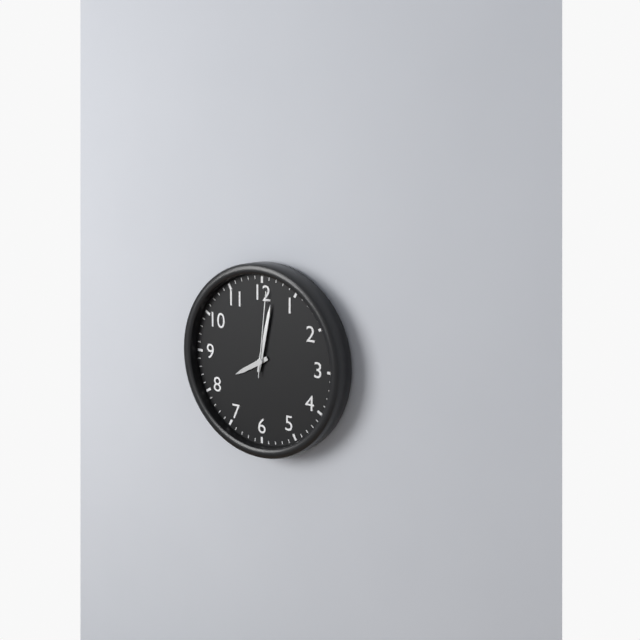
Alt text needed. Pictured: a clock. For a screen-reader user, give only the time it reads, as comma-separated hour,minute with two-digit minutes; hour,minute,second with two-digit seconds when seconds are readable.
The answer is 8,02,01
